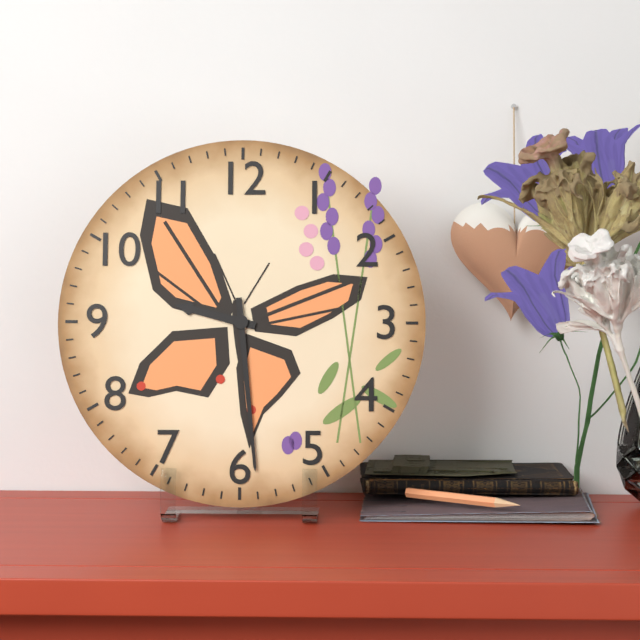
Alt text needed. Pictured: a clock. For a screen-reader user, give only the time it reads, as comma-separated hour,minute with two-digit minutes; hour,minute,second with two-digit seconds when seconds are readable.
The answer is 9,29
